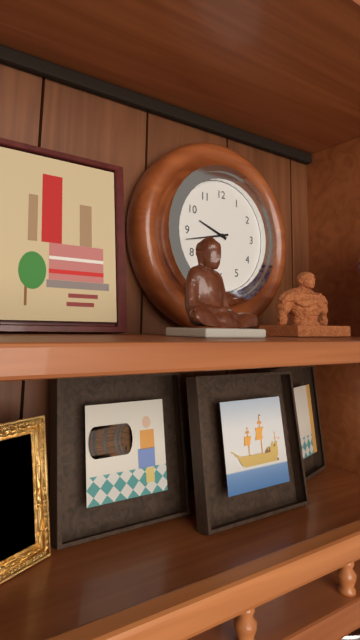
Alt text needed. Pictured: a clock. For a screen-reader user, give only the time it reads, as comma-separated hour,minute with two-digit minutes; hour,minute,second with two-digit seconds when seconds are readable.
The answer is 9,43
